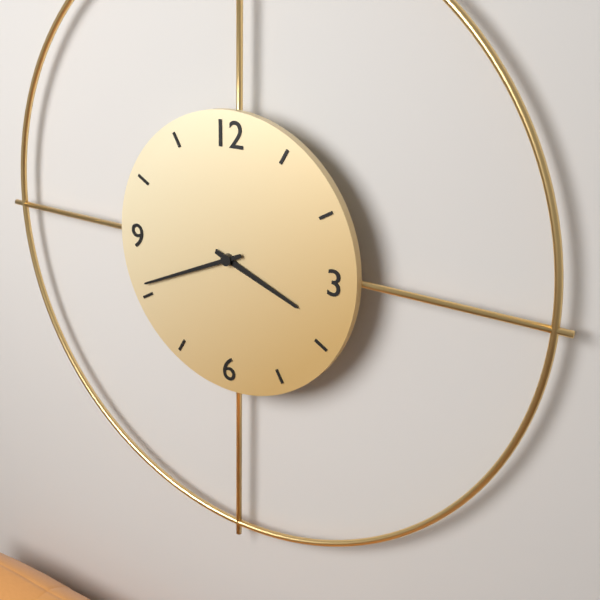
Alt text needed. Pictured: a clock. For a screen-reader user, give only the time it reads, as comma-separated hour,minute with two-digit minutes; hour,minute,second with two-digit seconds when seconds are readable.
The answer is 3,41
